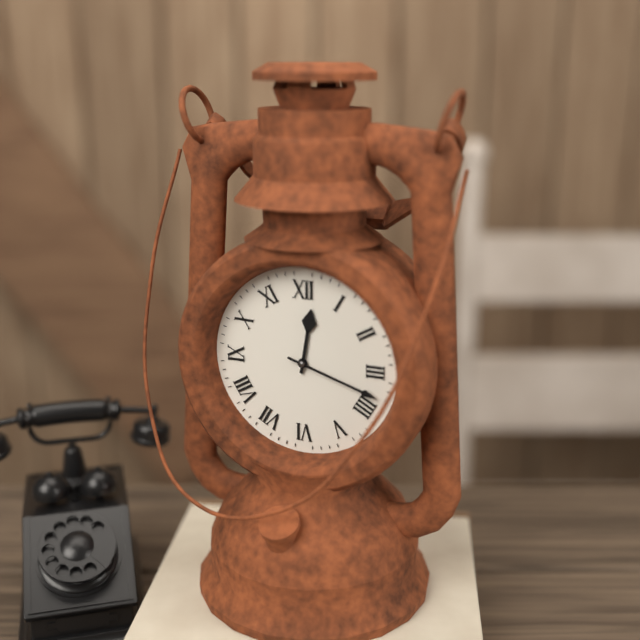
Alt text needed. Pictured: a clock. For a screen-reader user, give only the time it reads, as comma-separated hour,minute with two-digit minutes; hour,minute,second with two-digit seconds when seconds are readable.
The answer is 12,18
